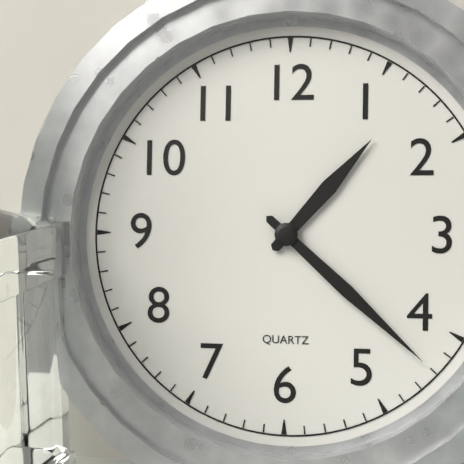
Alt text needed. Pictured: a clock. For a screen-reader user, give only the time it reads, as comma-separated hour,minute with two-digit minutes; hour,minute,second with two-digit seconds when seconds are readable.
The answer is 1,22
